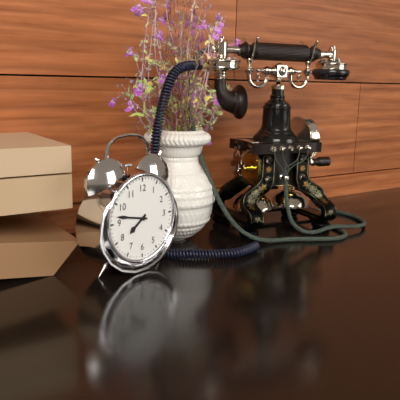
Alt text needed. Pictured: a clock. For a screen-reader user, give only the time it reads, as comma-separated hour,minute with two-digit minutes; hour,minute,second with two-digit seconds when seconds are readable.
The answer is 7,47
